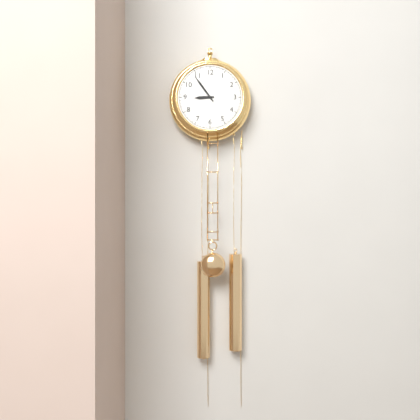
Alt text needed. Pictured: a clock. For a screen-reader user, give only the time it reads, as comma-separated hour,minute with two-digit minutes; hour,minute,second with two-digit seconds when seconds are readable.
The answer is 8,54
